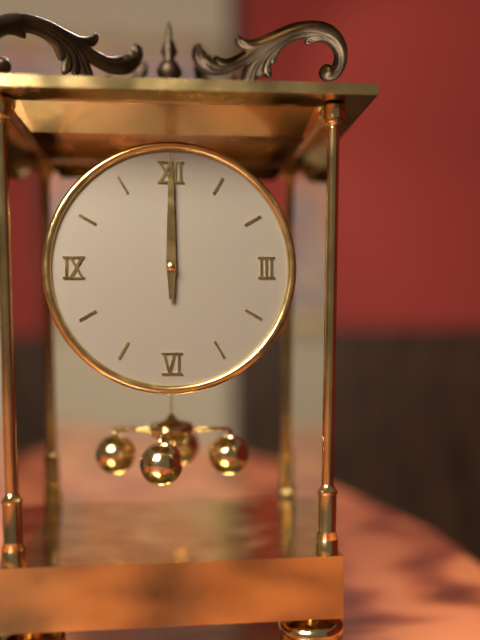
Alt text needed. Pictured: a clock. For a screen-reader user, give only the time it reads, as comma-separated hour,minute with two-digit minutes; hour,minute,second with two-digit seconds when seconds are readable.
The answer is 12,00
